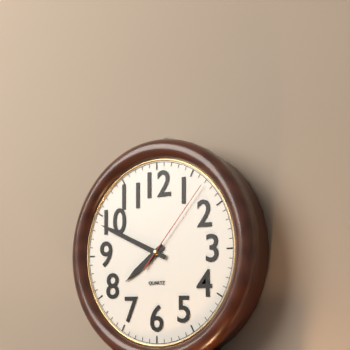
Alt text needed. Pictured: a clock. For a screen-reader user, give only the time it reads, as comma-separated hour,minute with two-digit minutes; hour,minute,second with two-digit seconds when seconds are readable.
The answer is 7,49,07
